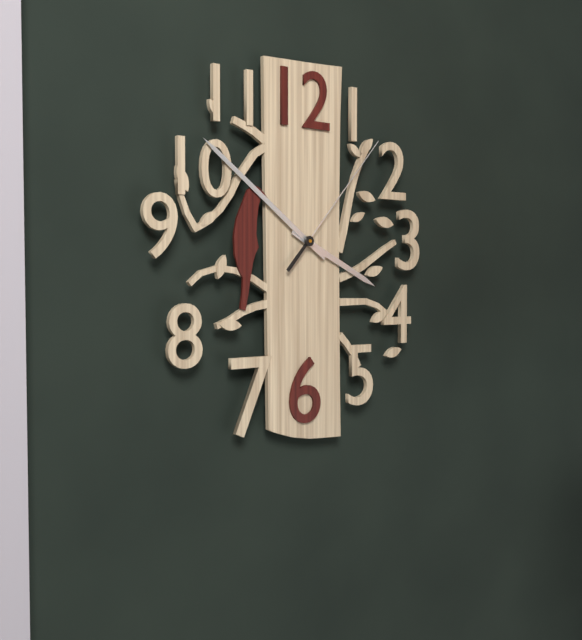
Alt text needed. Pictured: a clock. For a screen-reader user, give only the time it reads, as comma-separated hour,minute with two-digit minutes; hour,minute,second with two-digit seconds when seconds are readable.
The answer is 3,51,07
